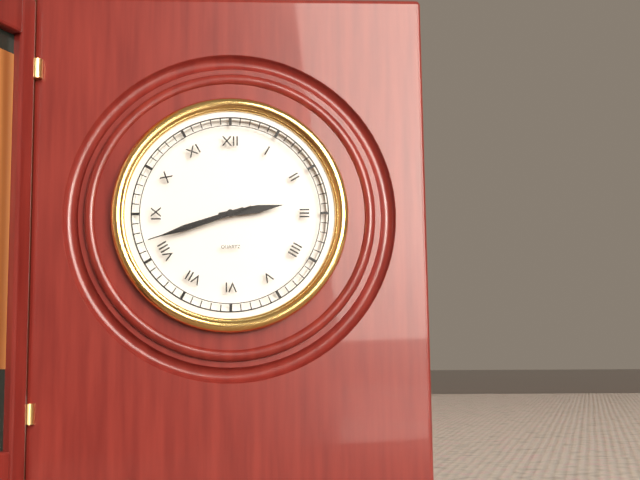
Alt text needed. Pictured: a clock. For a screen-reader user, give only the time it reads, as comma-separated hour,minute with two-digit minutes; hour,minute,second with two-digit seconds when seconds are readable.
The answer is 2,42,42
